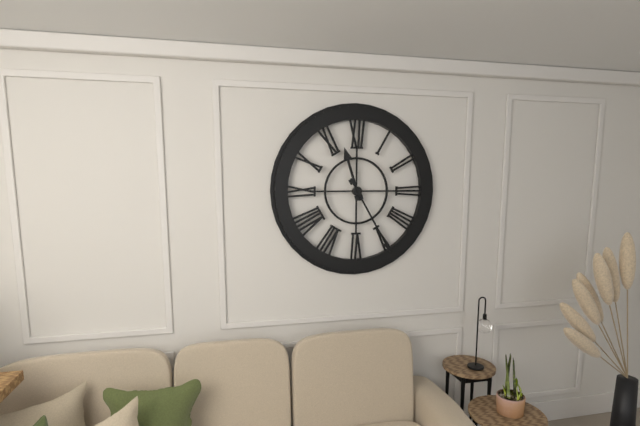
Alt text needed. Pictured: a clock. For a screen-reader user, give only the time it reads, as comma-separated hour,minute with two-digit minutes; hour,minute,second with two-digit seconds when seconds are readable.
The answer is 11,25
